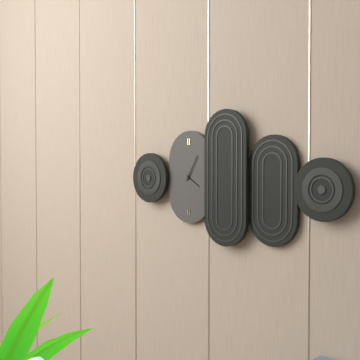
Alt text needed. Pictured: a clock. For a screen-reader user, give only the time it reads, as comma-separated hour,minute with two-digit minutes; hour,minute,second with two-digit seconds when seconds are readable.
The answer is 4,05
